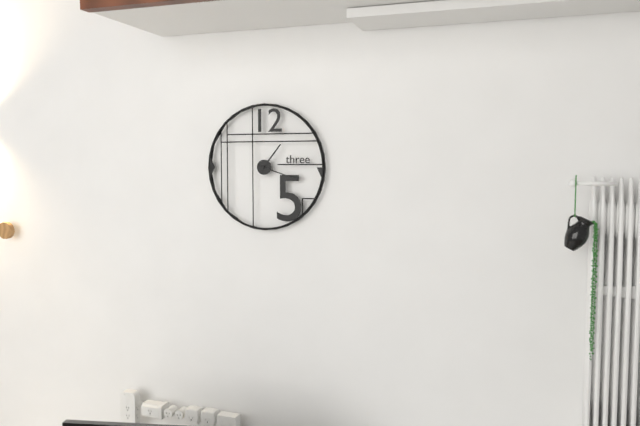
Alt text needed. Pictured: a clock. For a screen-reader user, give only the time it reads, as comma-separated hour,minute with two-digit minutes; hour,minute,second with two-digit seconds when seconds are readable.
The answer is 1,18
